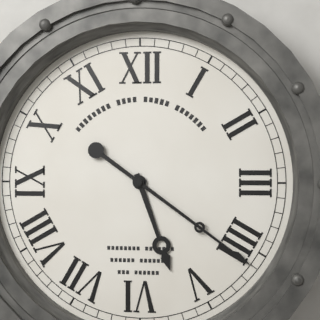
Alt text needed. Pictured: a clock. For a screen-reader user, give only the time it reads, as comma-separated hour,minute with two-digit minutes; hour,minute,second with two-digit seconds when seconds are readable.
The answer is 5,21
